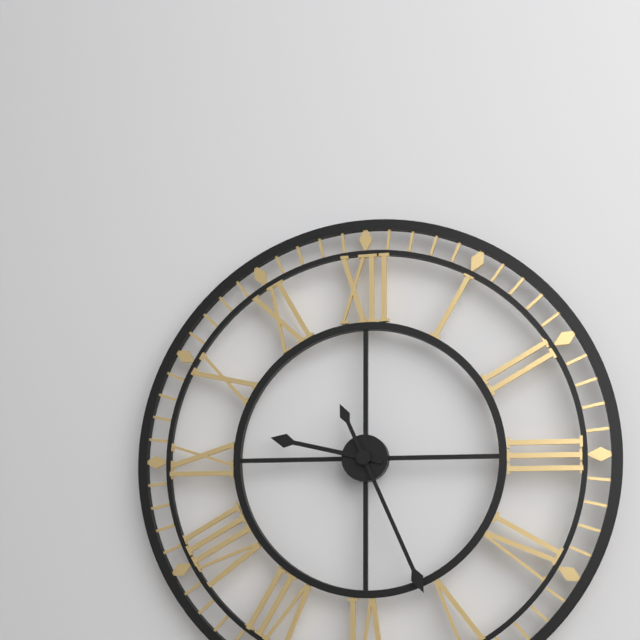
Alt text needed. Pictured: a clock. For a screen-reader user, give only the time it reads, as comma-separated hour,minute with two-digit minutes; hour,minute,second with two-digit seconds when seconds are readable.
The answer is 9,26
